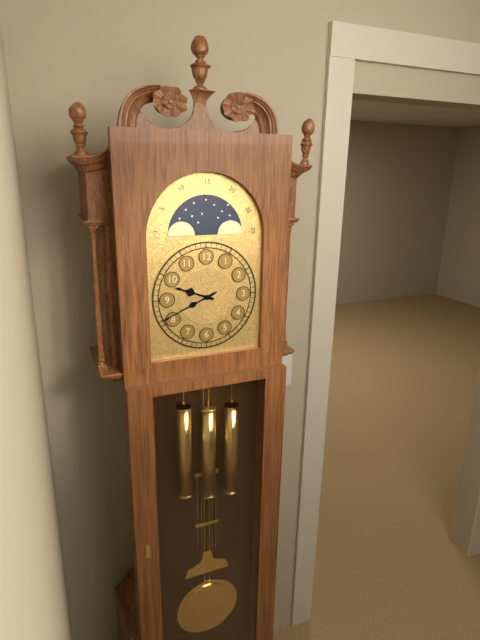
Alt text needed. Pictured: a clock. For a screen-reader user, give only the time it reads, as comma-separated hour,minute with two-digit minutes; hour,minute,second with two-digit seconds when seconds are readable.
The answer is 9,41
